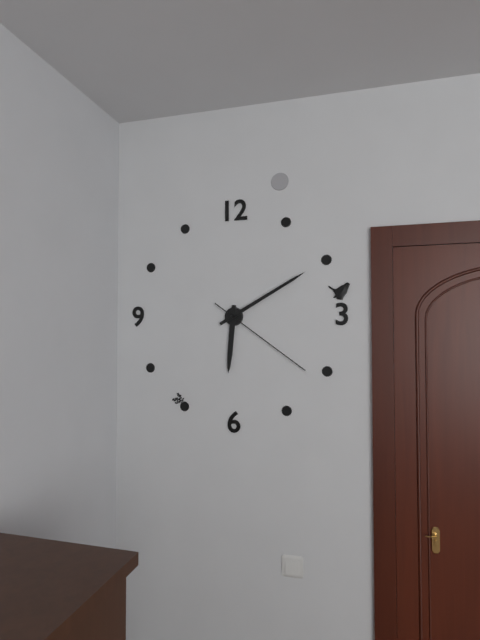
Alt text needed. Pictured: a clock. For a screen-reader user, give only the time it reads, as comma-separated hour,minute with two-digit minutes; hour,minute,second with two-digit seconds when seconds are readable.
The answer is 6,10,21
